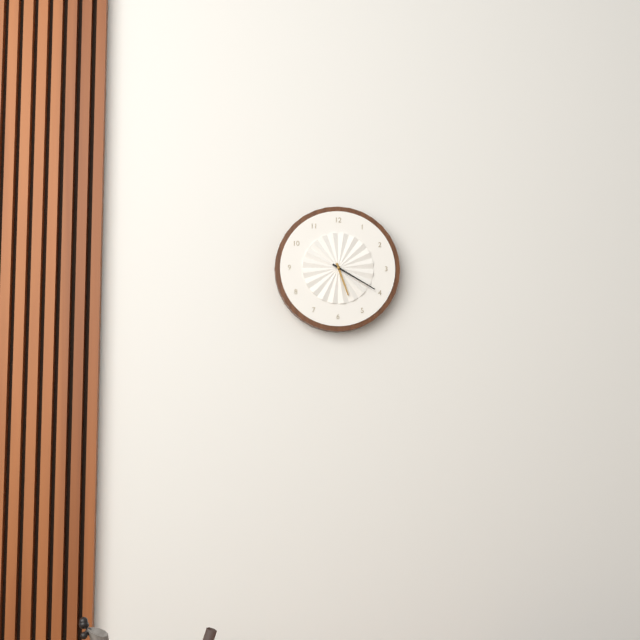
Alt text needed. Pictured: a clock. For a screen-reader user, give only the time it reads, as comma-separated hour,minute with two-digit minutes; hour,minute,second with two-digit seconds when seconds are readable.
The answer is 5,20
